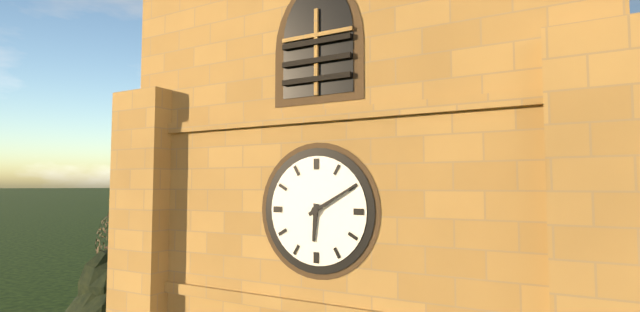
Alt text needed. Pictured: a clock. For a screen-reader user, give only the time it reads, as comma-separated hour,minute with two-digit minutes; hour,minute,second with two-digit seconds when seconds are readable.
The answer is 6,10
